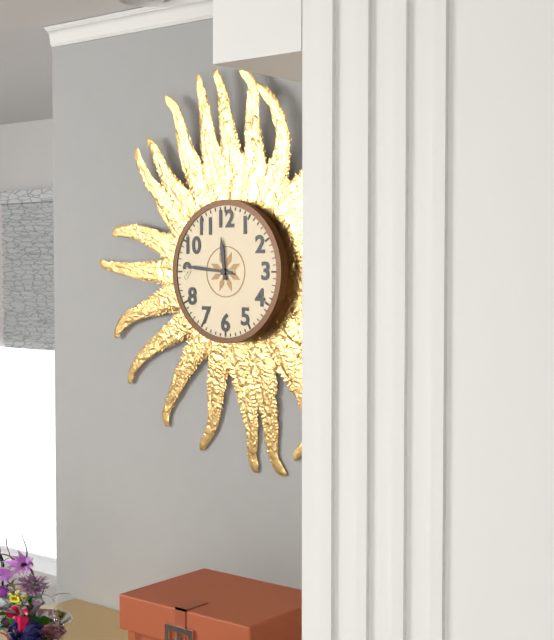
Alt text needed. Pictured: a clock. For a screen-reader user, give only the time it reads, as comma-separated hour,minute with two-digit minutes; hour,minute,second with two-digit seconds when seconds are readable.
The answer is 11,46
